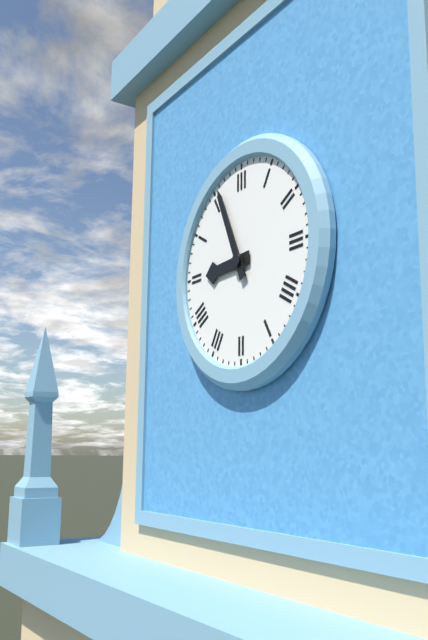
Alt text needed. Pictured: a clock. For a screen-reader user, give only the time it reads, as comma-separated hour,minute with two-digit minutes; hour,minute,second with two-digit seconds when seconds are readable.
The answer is 8,56
